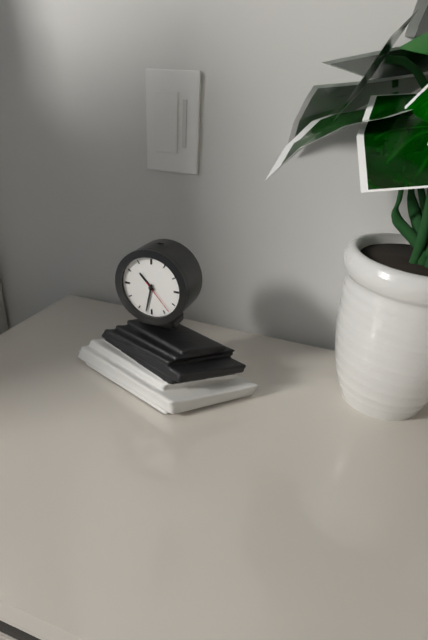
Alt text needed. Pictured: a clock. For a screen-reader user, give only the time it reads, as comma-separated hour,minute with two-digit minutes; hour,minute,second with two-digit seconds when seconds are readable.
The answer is 10,32
